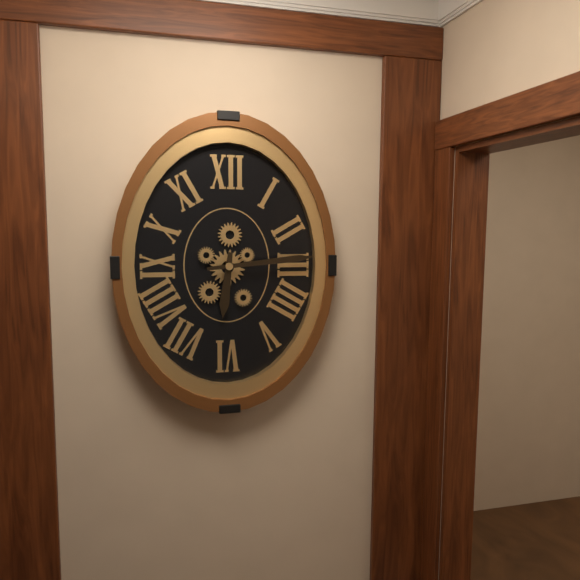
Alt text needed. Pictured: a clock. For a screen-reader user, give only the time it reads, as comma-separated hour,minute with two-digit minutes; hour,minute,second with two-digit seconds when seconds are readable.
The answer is 6,14
